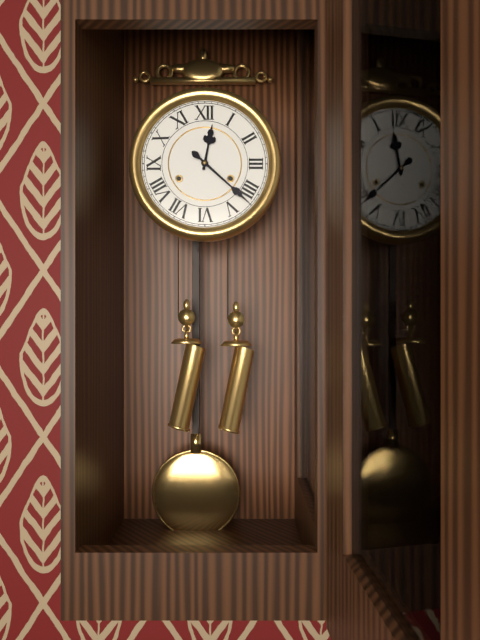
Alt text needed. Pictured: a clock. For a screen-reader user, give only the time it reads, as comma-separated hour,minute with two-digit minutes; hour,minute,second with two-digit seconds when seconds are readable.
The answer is 12,22
